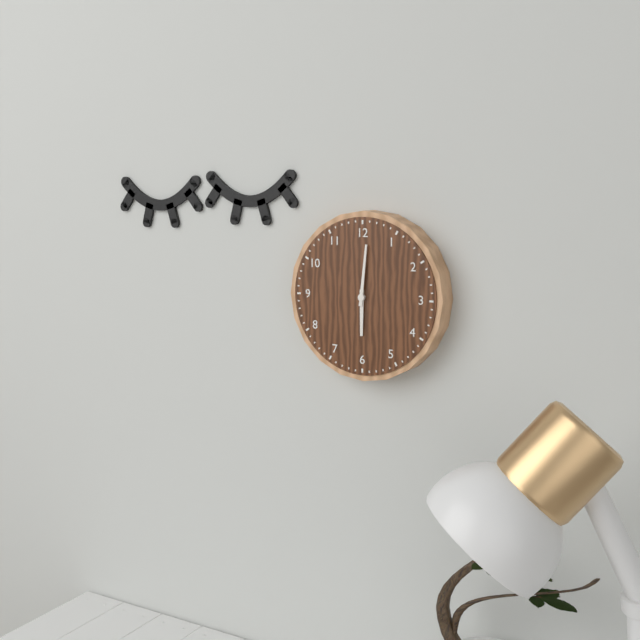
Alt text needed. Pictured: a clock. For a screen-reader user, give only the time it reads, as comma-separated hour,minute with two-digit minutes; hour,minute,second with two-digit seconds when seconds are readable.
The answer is 6,01
